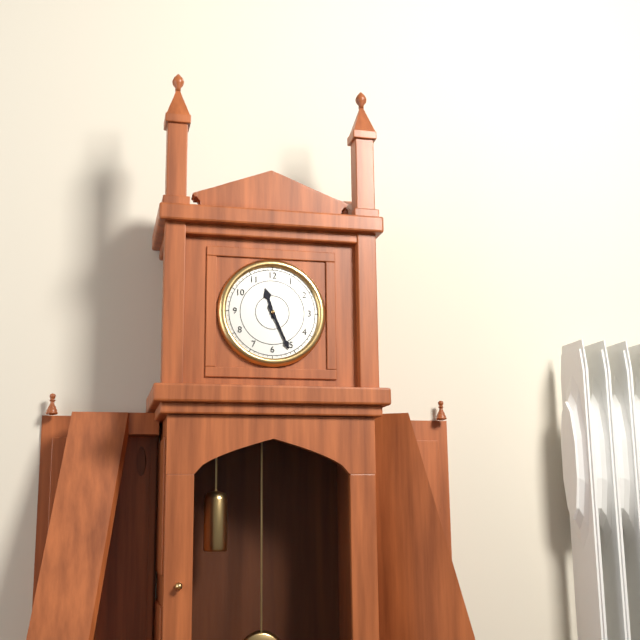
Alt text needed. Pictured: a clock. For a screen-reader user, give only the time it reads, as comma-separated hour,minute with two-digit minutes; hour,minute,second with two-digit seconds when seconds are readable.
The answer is 11,26
